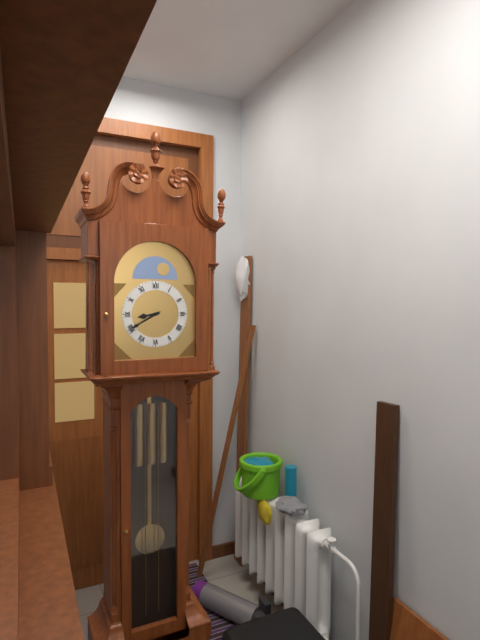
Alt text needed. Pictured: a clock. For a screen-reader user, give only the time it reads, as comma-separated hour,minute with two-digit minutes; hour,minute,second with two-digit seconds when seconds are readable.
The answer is 8,40
